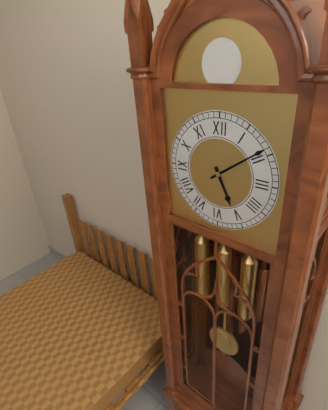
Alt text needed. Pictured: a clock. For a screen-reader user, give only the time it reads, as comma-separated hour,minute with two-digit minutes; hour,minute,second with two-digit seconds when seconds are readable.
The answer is 5,09
